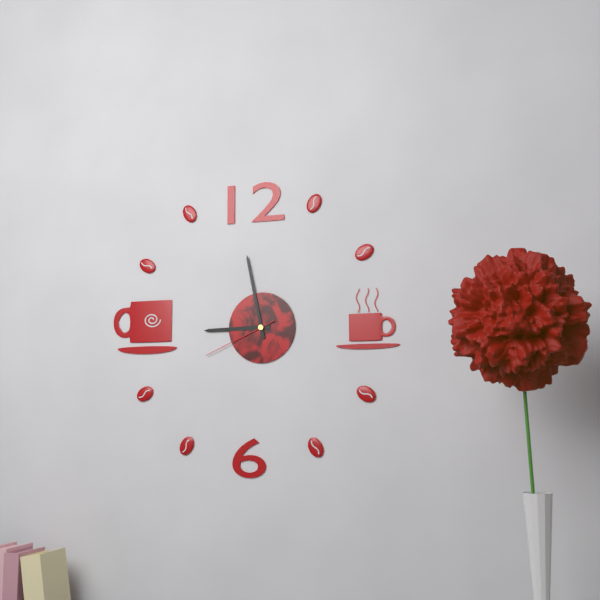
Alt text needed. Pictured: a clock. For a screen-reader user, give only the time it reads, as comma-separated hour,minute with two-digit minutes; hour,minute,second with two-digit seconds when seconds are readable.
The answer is 8,58,41
